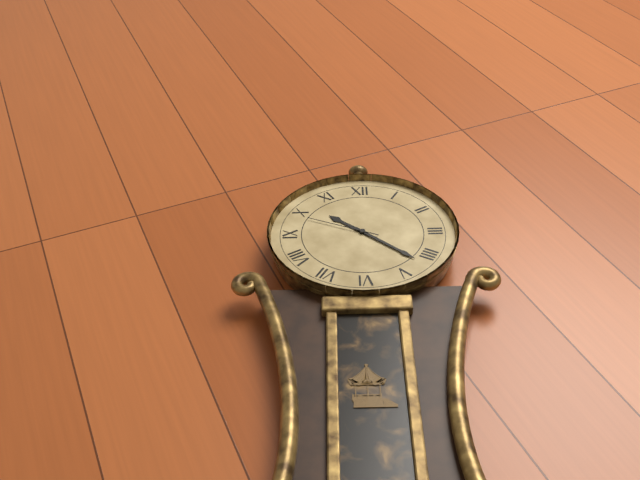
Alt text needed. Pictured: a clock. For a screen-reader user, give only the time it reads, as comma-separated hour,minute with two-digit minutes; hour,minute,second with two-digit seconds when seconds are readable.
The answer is 10,22,49
